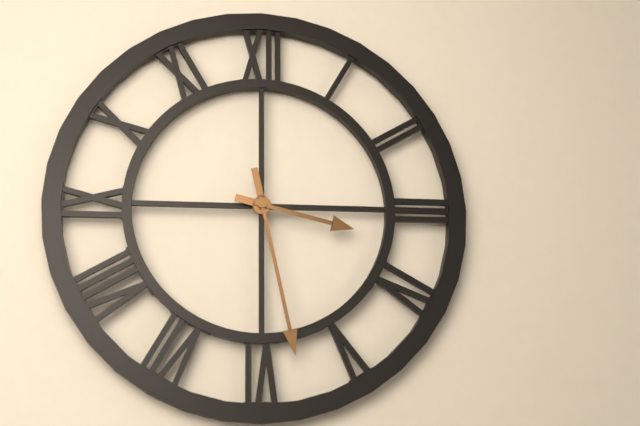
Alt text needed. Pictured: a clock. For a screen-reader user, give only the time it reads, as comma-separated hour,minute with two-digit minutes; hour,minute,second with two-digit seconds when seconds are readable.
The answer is 3,28
